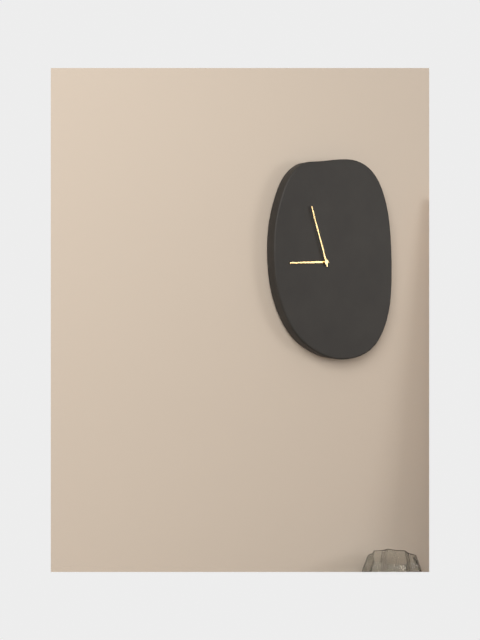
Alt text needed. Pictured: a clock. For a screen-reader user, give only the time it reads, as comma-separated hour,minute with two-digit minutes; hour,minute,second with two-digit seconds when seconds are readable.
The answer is 8,57
